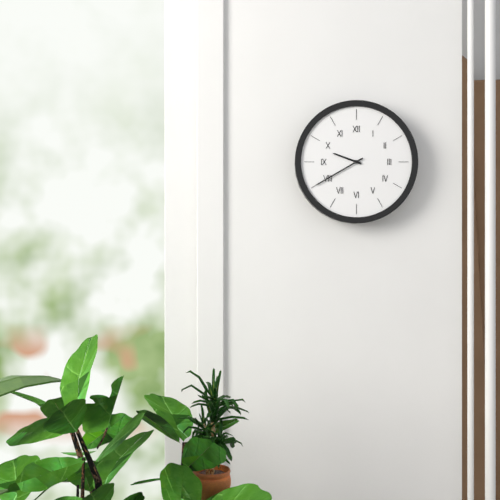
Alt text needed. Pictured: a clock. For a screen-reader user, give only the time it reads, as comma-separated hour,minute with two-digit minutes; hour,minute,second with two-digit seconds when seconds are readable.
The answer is 9,40
